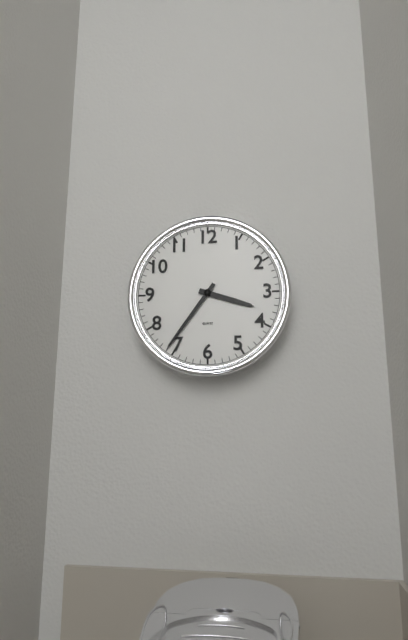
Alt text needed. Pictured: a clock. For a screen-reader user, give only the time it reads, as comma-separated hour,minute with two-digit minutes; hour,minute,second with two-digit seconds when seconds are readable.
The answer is 3,36
